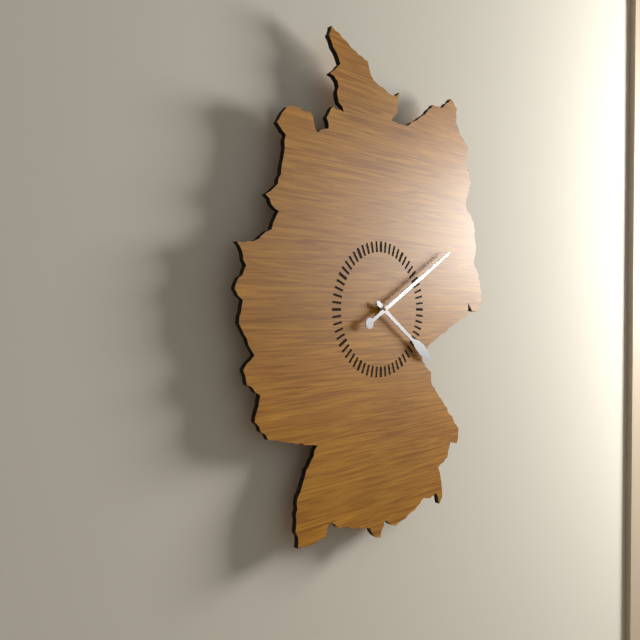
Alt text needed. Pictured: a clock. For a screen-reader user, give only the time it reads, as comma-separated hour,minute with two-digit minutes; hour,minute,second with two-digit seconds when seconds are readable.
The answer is 4,10
